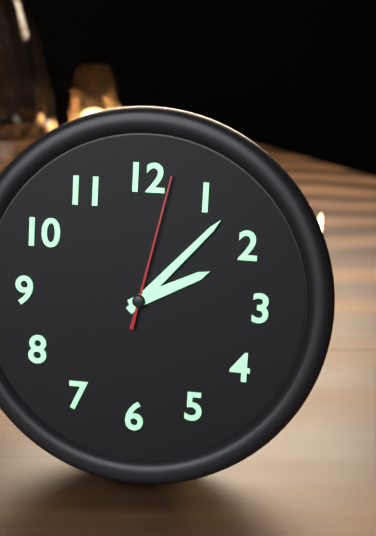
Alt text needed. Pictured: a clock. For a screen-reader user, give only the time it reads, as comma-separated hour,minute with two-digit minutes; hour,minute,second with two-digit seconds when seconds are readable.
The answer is 2,07,02
